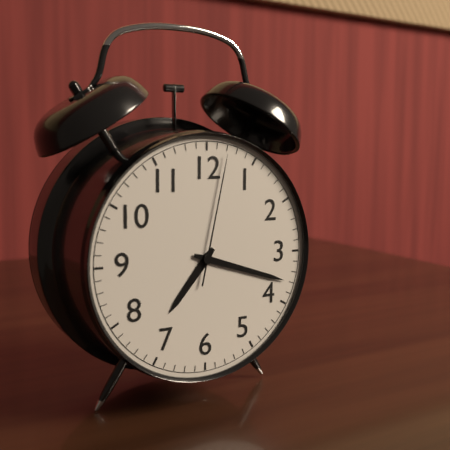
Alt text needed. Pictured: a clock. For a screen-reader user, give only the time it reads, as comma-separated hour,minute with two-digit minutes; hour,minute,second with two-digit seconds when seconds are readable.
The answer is 7,18,02
